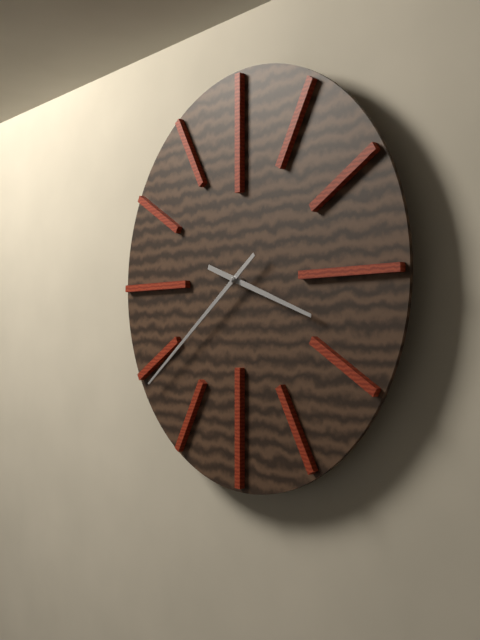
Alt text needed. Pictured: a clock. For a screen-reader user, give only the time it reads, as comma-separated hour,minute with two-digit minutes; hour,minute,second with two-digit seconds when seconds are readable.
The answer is 3,39
